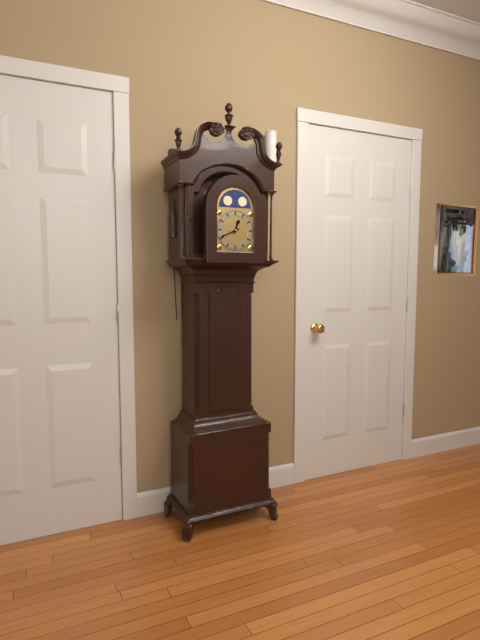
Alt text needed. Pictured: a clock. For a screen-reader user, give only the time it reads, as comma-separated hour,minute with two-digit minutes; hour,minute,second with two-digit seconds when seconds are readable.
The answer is 12,41
